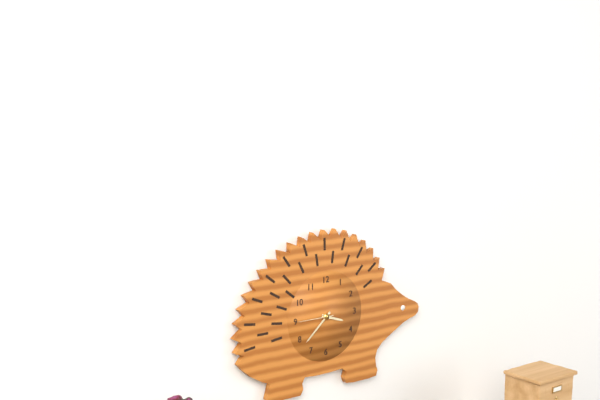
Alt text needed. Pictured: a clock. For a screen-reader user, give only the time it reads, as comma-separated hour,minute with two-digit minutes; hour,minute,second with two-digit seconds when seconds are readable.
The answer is 3,38
